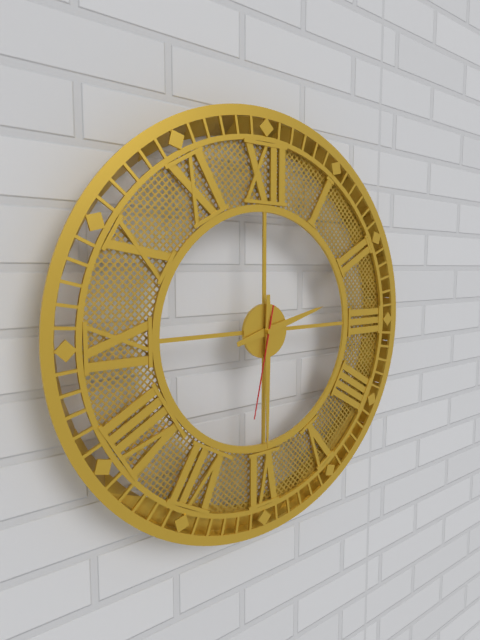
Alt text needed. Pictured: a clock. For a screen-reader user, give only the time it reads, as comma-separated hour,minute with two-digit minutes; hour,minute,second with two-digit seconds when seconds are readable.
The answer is 2,30,32
